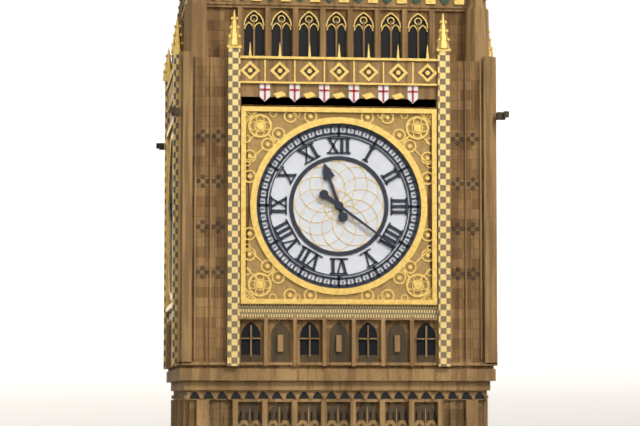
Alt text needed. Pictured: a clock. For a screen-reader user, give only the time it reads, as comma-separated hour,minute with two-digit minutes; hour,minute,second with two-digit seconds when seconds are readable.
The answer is 11,21
